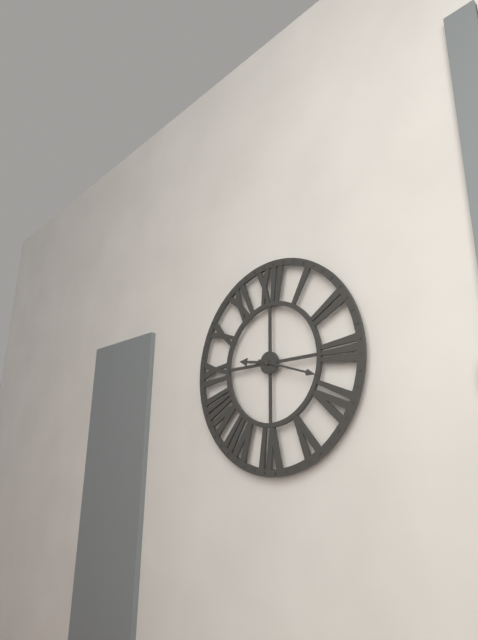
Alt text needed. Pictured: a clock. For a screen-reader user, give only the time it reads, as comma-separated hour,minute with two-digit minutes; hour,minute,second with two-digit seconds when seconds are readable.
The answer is 9,18
